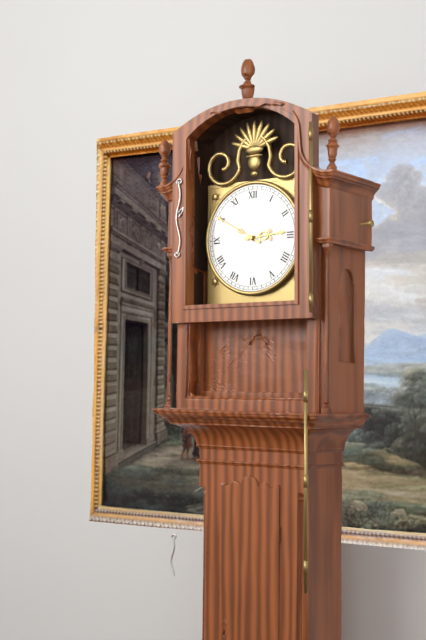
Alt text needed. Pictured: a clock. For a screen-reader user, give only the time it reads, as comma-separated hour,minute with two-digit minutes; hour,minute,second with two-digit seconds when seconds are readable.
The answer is 2,50
